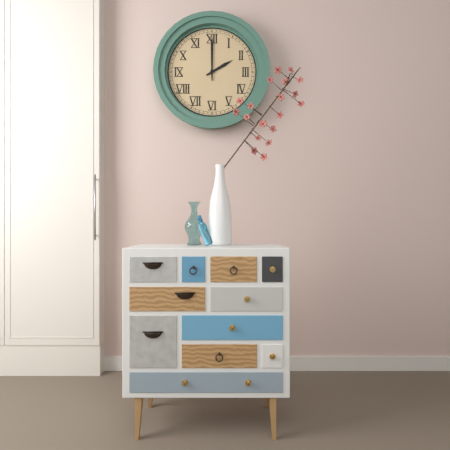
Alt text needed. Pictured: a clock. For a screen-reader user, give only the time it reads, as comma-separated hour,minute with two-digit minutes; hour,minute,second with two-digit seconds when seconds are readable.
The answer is 2,00
